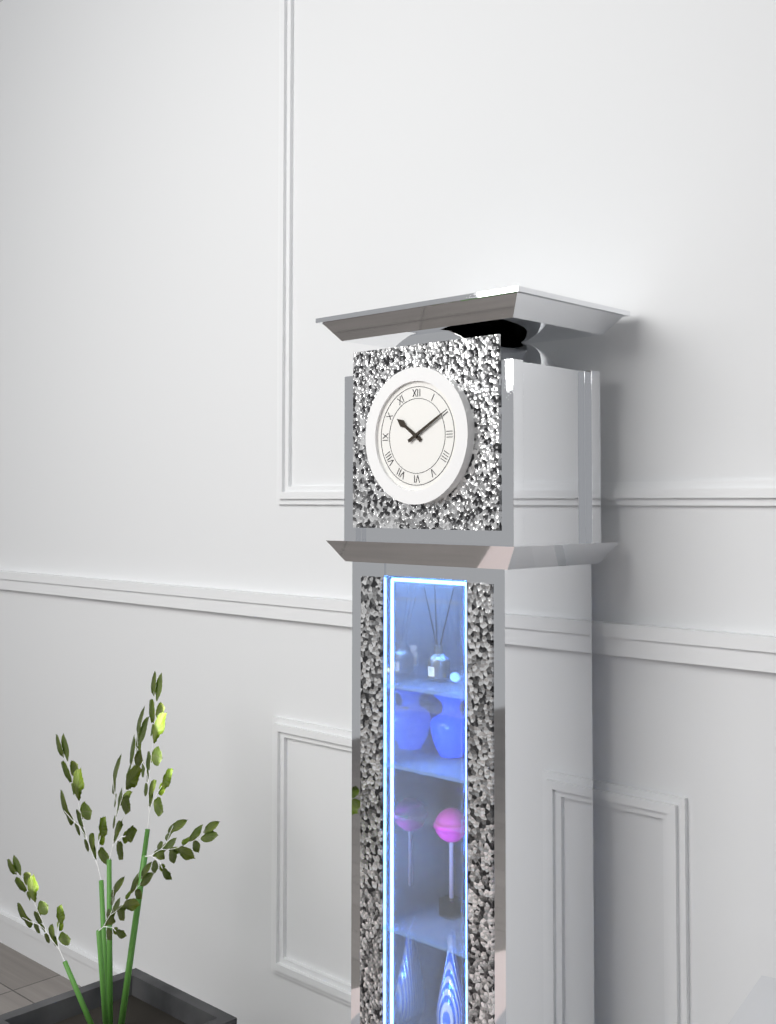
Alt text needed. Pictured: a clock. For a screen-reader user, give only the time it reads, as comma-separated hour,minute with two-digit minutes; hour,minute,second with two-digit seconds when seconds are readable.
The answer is 10,10
